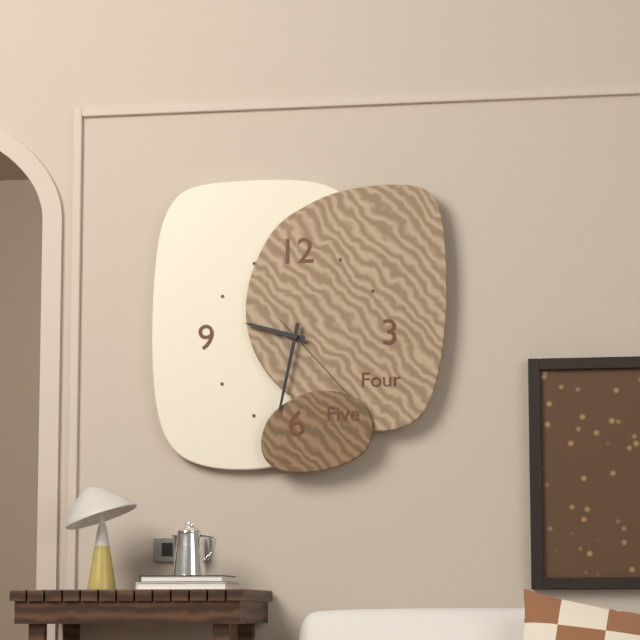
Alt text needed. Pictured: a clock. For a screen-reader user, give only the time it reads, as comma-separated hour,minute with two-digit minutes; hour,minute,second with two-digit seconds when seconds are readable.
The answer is 9,32,23
